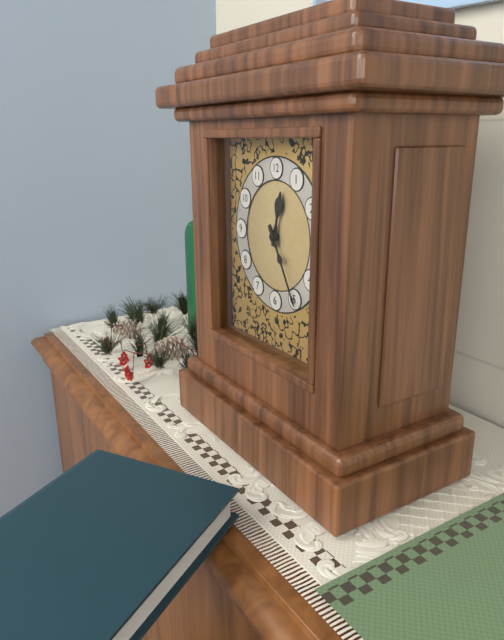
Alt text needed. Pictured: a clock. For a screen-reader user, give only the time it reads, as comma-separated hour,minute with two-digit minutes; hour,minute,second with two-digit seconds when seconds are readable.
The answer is 12,25
